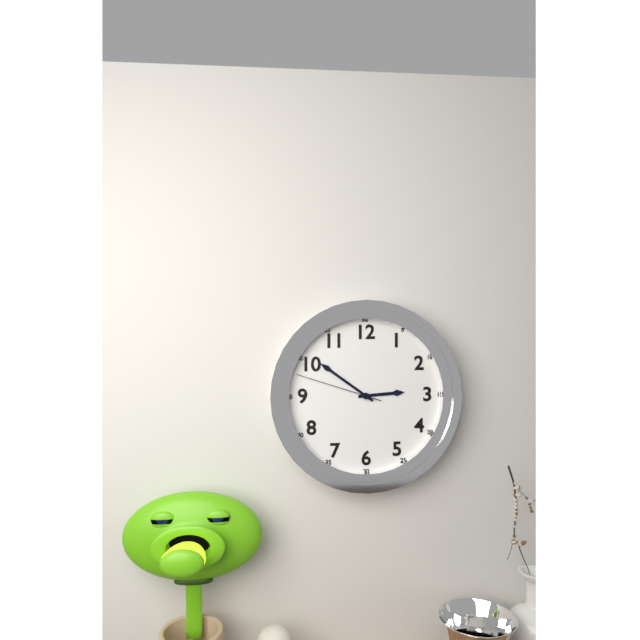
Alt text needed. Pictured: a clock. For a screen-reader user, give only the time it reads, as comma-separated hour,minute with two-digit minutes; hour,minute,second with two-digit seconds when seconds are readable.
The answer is 2,51,48
